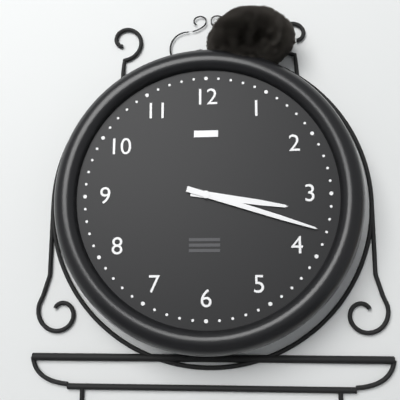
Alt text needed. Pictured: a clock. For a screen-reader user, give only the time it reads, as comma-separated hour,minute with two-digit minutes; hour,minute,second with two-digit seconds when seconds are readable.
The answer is 3,18
